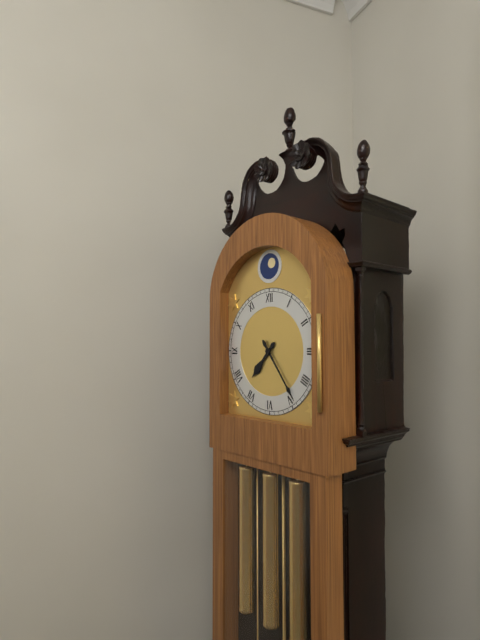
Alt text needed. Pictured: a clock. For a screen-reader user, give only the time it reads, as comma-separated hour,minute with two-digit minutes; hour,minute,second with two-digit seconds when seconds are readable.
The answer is 7,24
